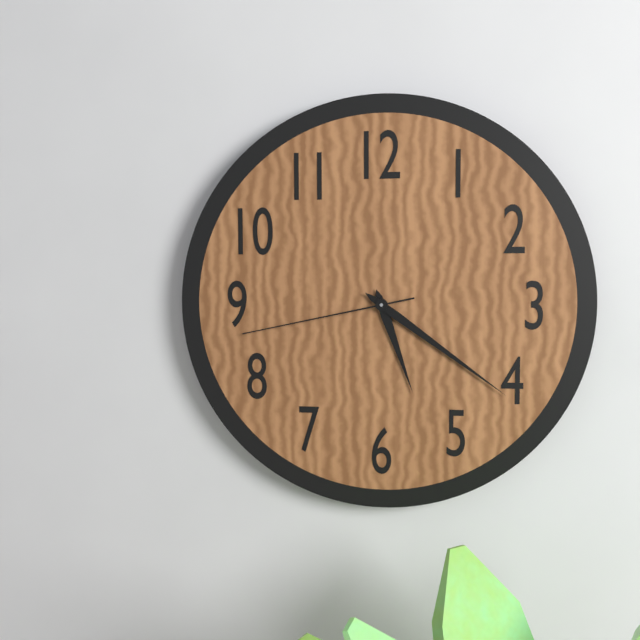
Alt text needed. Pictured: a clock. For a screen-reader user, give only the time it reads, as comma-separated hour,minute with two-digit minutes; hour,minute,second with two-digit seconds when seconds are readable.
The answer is 5,21,43
